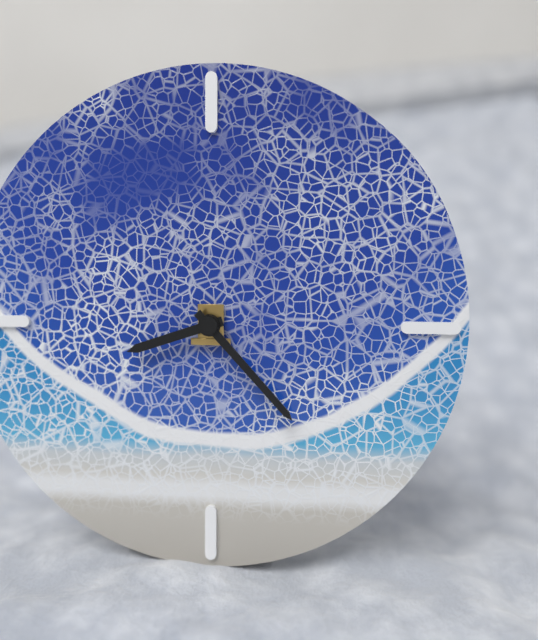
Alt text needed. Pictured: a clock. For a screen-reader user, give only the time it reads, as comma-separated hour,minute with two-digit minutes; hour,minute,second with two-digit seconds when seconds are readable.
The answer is 8,23
